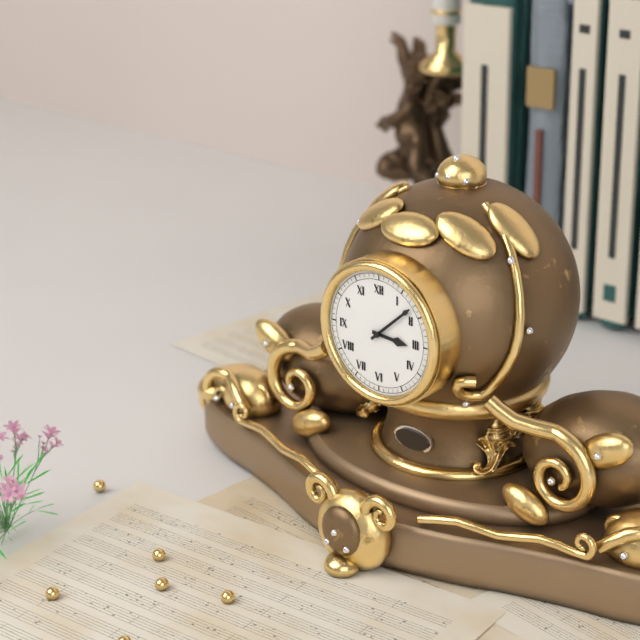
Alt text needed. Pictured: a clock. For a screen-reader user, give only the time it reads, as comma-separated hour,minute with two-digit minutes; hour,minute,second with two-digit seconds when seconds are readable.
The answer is 3,08
